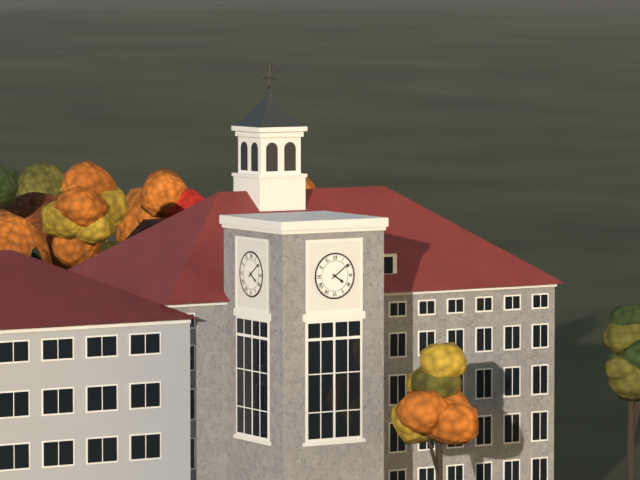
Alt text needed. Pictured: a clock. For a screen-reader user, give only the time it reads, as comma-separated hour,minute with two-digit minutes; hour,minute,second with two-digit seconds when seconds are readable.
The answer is 4,09
